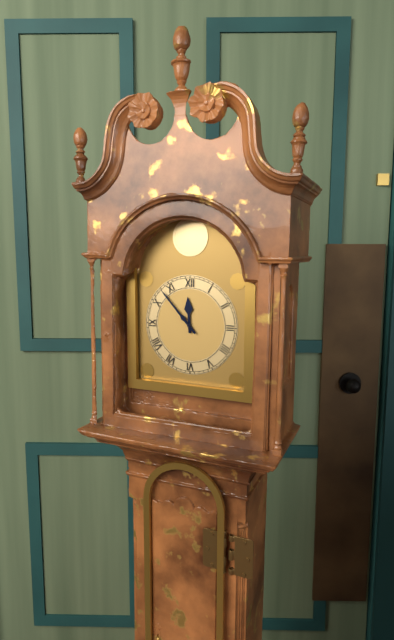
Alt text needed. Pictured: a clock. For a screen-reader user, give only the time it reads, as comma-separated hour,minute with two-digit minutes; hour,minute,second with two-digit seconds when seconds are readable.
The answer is 11,53
